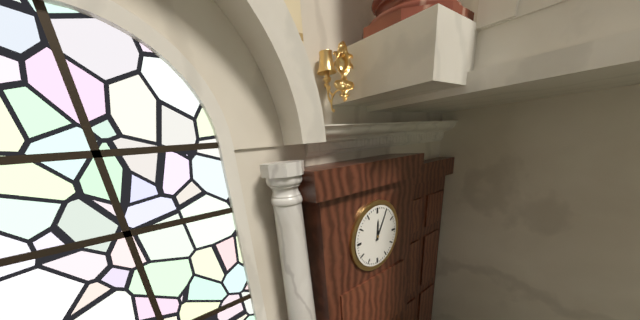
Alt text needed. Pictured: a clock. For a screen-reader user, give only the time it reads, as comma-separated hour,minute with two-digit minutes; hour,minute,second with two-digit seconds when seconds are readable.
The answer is 12,05
